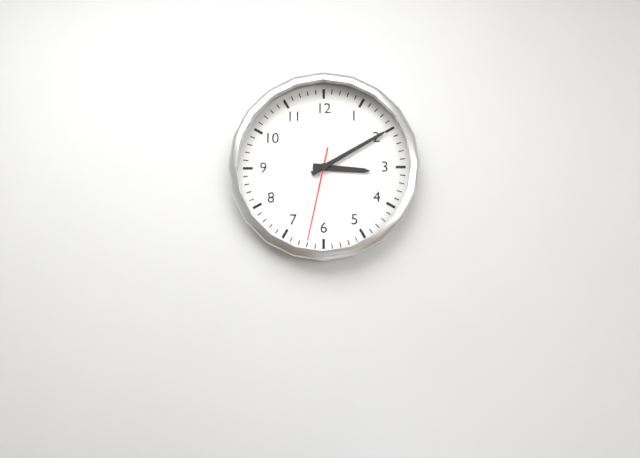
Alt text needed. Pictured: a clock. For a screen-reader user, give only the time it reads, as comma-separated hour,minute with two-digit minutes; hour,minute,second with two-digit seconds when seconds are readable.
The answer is 3,10,32
